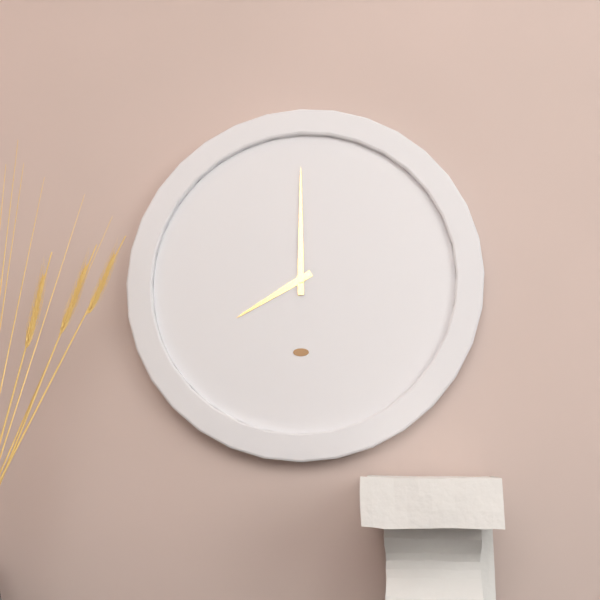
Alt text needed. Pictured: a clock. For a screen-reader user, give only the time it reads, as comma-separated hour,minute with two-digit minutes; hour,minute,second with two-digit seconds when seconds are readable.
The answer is 8,00
